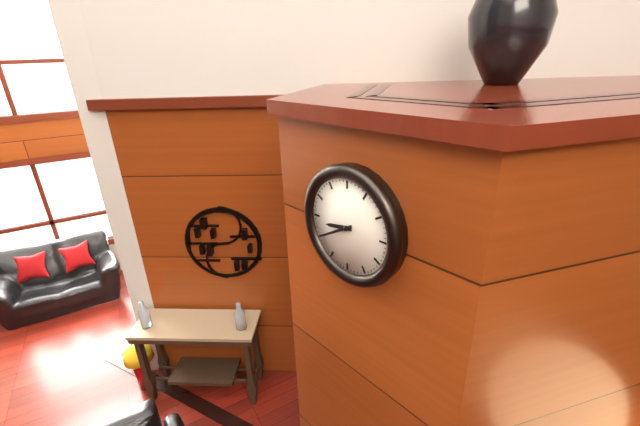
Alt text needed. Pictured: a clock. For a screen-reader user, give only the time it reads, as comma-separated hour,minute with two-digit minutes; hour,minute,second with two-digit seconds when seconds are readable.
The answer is 8,40
